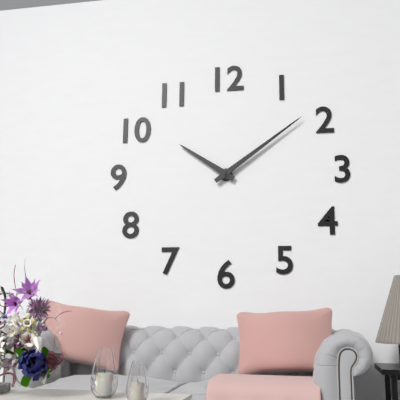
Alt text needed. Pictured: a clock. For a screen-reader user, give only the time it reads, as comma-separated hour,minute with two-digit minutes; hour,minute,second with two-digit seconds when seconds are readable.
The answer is 10,09
